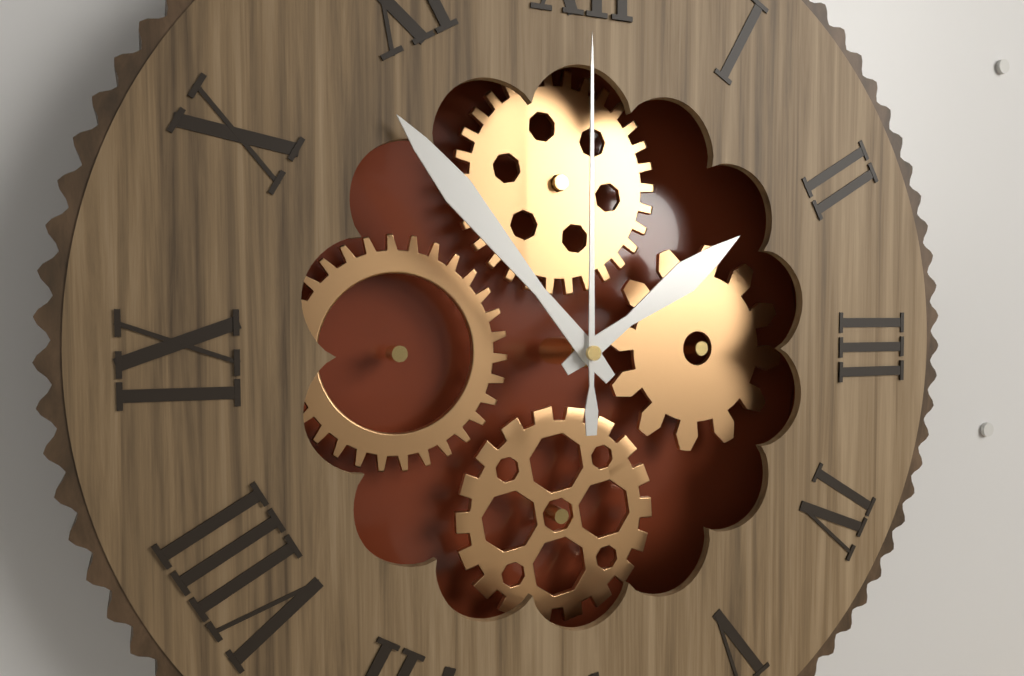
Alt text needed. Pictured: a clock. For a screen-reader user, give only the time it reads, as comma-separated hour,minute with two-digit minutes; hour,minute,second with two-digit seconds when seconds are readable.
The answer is 1,53,00
